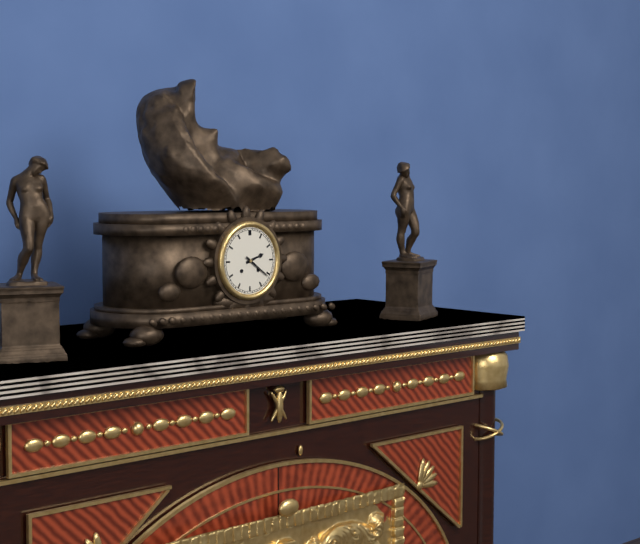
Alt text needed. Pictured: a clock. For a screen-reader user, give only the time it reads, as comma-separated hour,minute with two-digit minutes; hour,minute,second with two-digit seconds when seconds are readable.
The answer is 2,21
